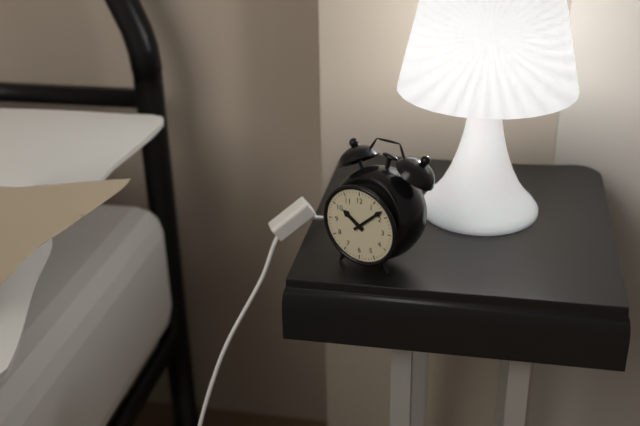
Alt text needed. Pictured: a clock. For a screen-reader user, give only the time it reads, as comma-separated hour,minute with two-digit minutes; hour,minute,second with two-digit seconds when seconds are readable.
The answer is 10,08
